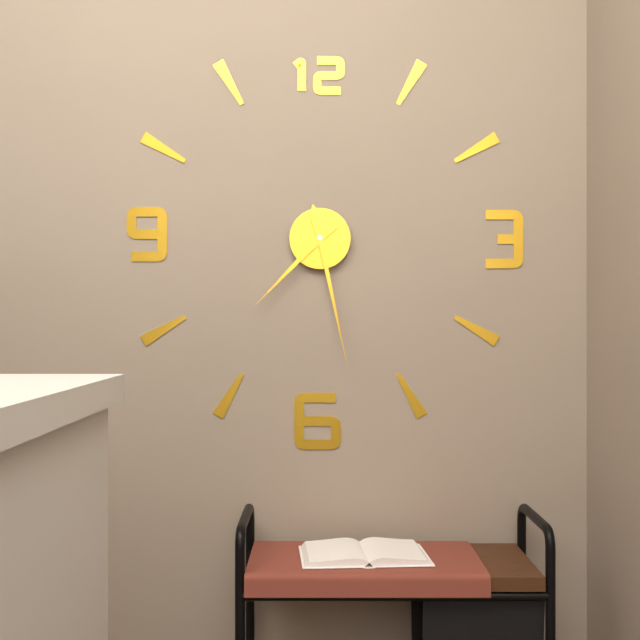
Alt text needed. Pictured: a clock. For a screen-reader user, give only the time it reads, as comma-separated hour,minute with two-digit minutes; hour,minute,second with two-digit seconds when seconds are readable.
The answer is 7,28
